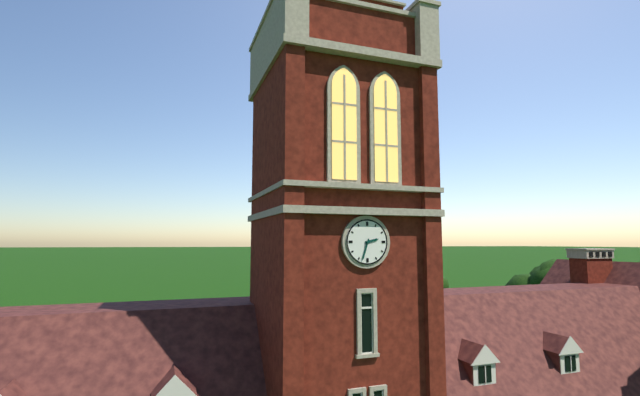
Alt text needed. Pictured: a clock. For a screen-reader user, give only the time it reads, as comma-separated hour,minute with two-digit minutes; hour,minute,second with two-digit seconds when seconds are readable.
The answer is 2,33
